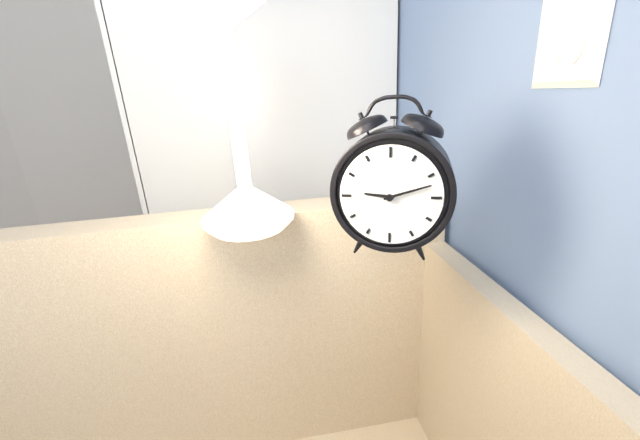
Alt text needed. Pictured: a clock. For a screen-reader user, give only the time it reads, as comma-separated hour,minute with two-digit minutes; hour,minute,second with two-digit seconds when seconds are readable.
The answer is 9,12
